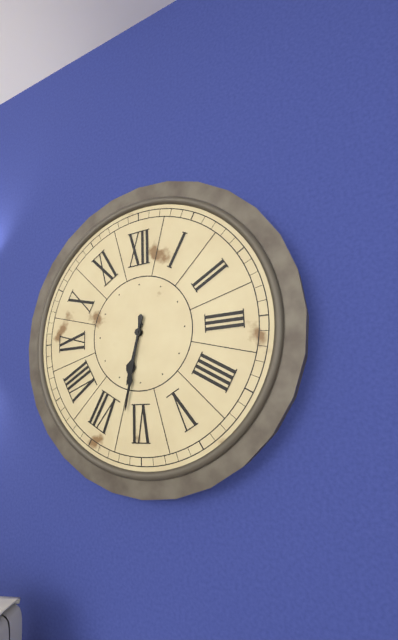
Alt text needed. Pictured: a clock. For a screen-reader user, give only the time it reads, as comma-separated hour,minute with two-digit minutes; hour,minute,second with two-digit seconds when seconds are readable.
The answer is 6,32
